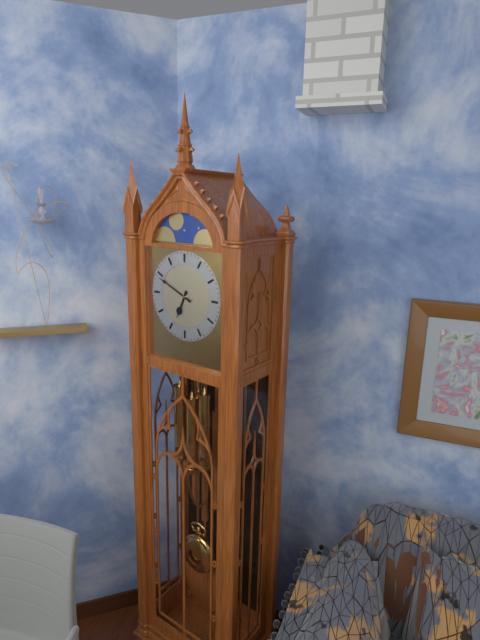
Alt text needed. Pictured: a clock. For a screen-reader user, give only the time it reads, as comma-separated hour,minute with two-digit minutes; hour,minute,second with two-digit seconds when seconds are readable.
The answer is 6,49
